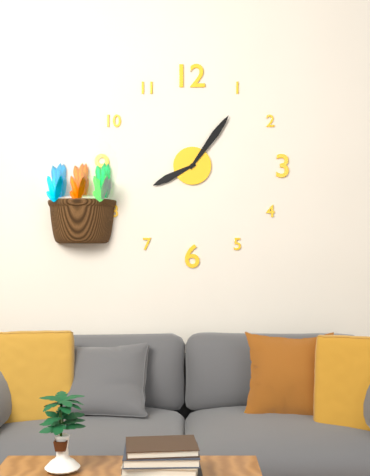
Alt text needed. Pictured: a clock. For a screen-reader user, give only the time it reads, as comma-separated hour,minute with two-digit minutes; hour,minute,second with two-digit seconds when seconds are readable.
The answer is 8,06
